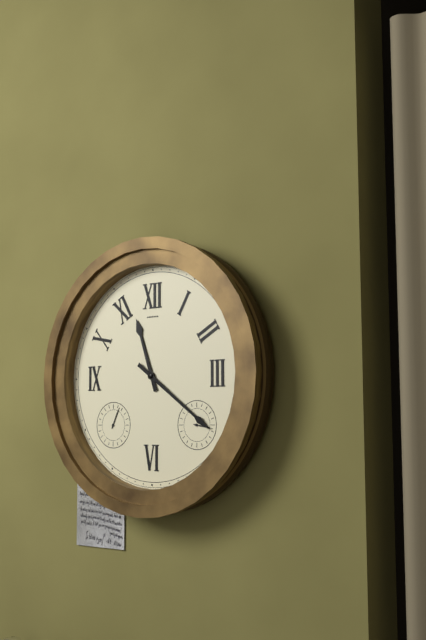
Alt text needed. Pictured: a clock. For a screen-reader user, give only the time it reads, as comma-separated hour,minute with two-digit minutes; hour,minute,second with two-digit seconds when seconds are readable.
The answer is 11,21
